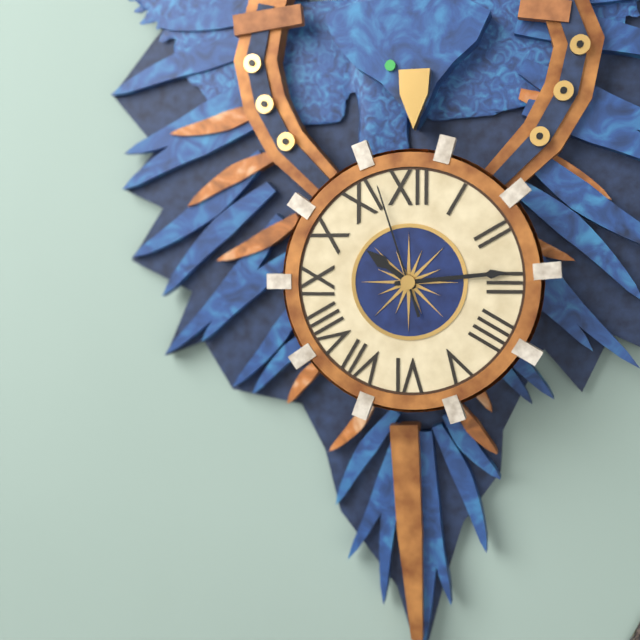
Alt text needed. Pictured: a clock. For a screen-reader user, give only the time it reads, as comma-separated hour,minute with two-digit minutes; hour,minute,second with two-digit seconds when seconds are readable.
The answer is 10,14,57
